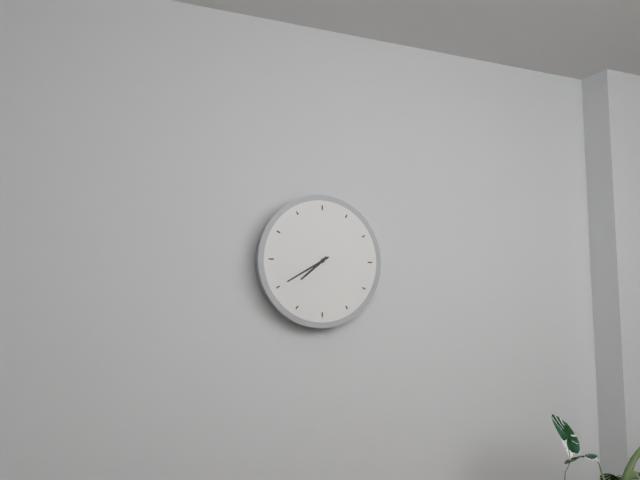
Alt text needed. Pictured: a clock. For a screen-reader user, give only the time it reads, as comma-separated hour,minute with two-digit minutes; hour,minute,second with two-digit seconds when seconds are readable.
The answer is 7,40
